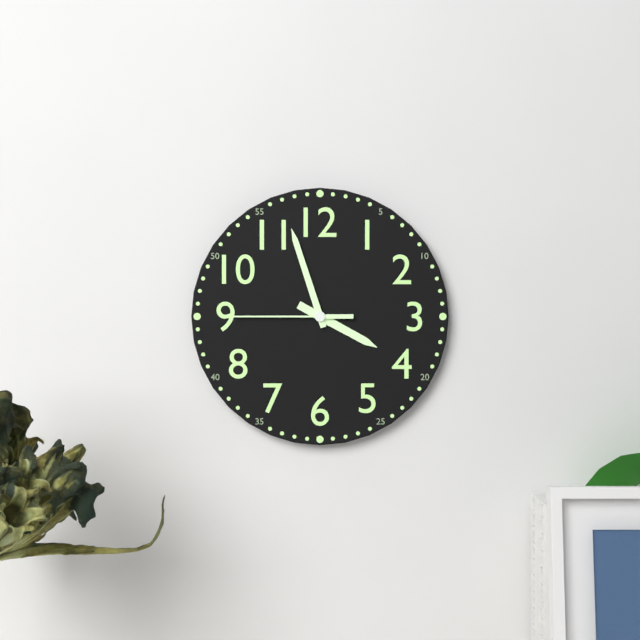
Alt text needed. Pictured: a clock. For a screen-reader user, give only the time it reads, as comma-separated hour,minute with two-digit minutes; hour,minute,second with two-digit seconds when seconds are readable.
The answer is 3,57,45
